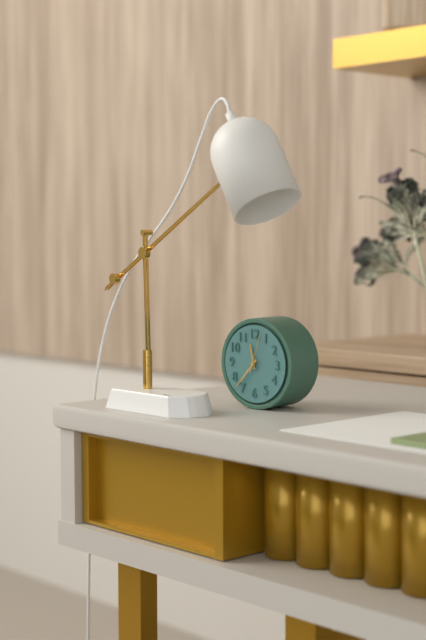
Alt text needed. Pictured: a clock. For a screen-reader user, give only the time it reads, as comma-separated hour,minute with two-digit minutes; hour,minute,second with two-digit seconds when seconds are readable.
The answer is 11,37
